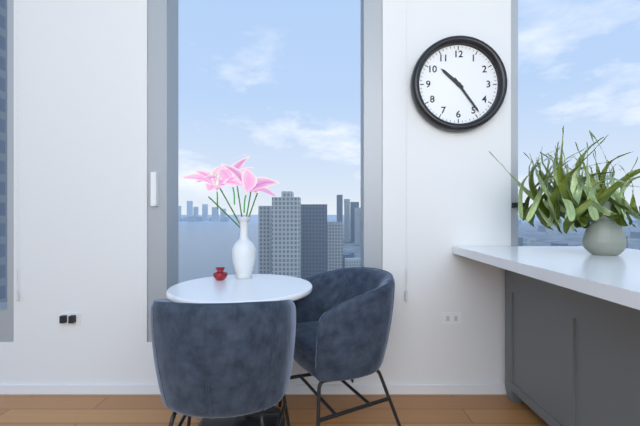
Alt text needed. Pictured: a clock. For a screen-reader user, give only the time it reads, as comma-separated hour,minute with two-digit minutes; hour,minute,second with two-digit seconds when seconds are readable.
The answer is 10,24
